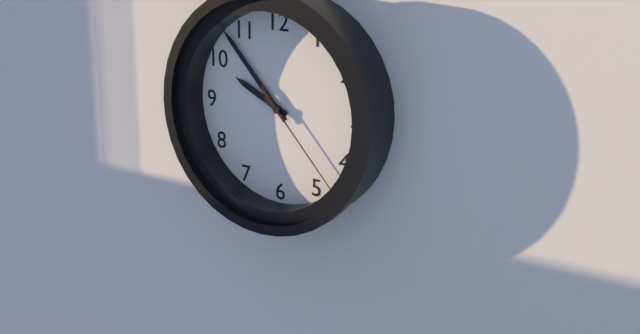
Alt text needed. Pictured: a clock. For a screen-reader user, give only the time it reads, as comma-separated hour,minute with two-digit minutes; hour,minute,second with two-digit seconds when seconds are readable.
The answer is 9,53,23
